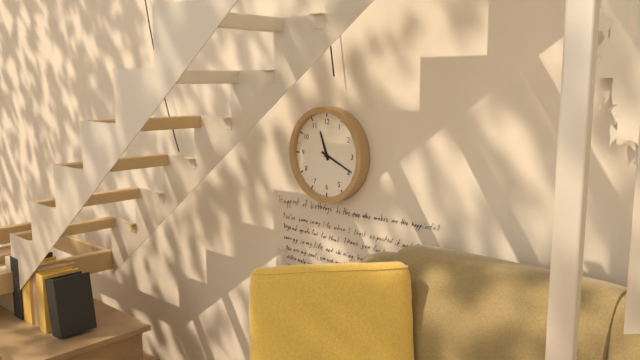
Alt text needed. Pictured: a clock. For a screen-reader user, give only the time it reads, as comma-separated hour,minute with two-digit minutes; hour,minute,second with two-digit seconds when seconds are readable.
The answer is 11,19
